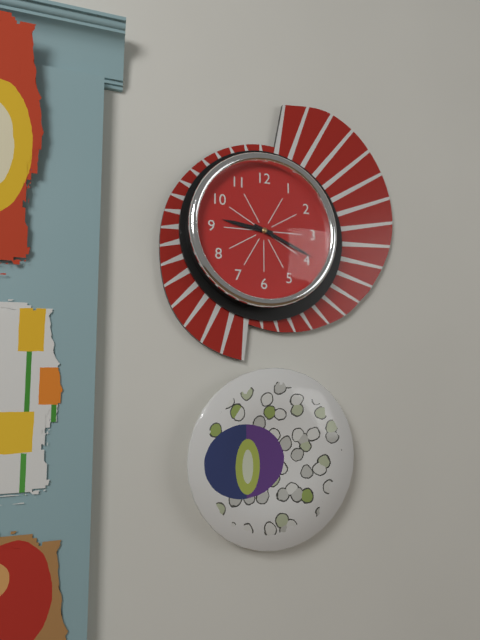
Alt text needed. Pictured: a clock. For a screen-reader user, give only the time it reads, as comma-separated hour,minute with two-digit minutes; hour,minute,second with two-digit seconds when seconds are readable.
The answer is 9,19
